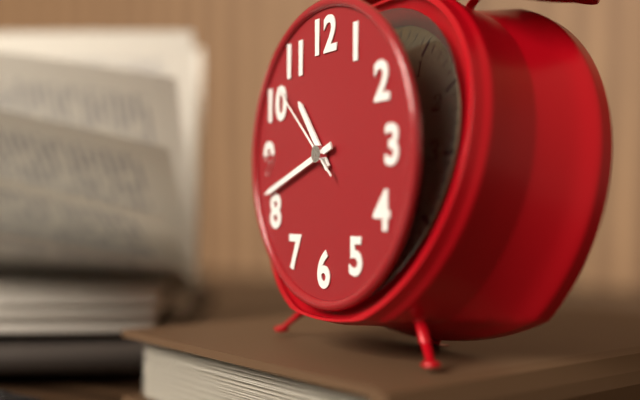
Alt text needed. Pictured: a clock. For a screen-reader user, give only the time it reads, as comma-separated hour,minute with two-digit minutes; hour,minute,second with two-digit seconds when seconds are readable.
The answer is 10,42,52
